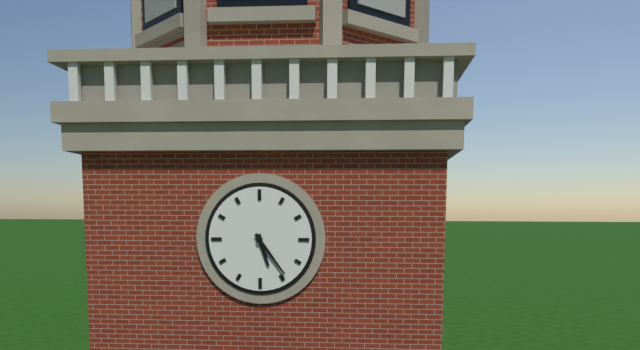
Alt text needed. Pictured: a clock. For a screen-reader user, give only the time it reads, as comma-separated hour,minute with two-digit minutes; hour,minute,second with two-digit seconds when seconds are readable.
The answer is 5,24
